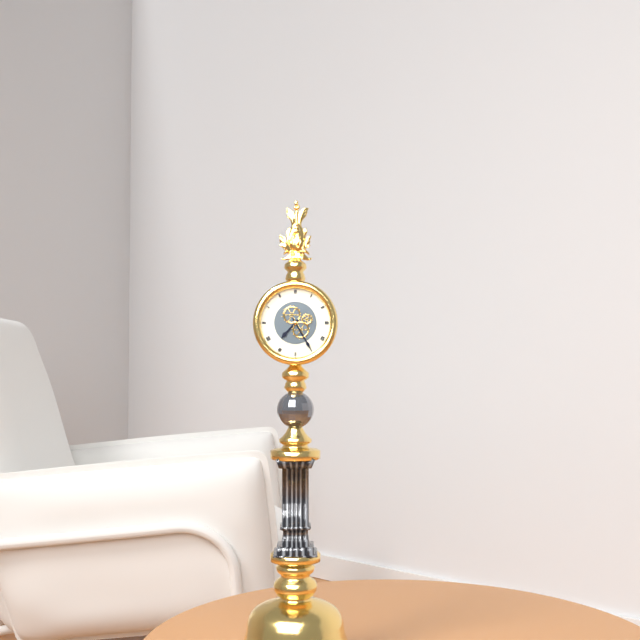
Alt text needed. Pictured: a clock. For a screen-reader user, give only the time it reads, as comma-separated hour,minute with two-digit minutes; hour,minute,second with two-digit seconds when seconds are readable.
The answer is 7,25
